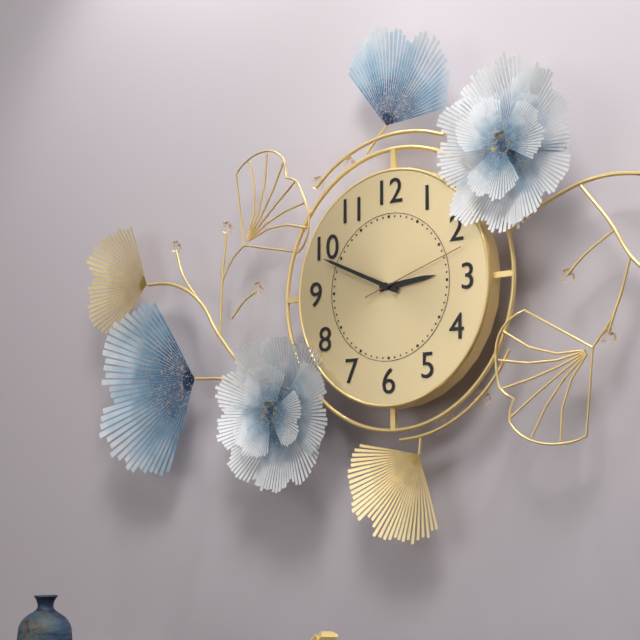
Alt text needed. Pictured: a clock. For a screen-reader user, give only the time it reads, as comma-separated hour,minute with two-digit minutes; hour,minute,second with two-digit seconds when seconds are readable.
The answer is 2,49,12
